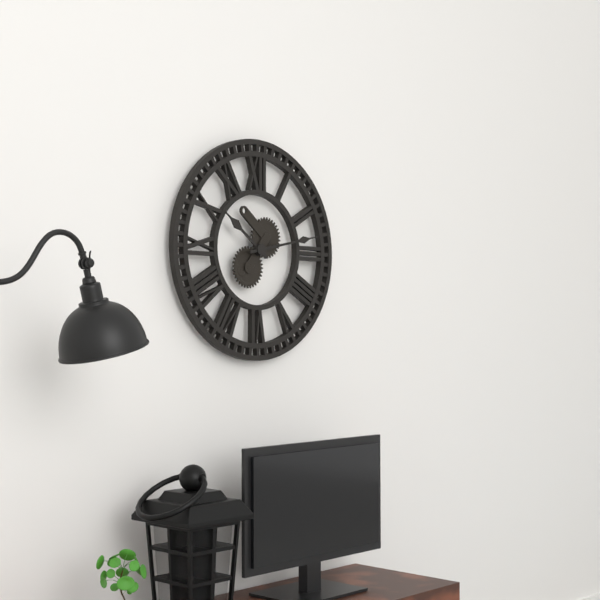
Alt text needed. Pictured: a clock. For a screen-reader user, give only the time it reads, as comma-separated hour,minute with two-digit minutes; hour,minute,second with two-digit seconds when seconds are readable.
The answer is 10,13
